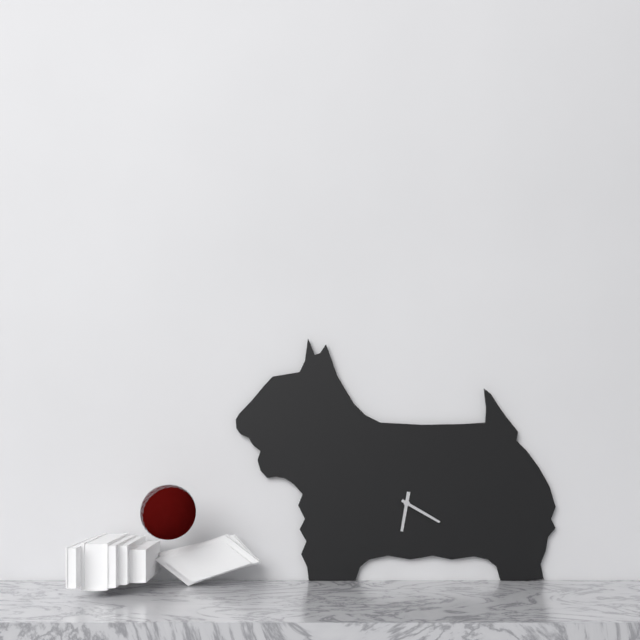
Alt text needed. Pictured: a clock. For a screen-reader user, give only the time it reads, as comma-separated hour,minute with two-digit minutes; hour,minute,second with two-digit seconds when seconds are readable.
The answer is 6,20
